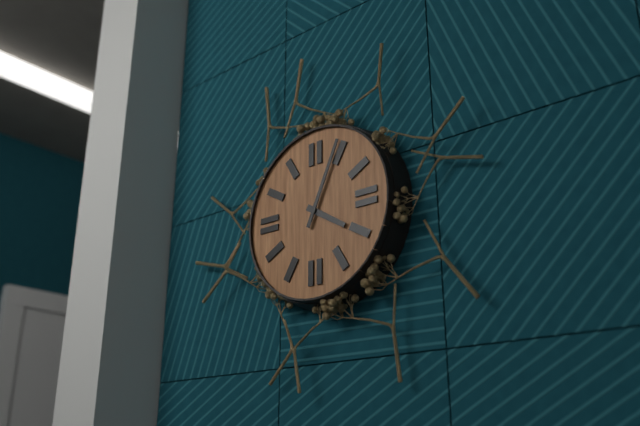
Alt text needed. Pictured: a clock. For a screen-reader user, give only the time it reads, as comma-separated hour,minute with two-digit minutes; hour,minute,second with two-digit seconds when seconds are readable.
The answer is 4,04
